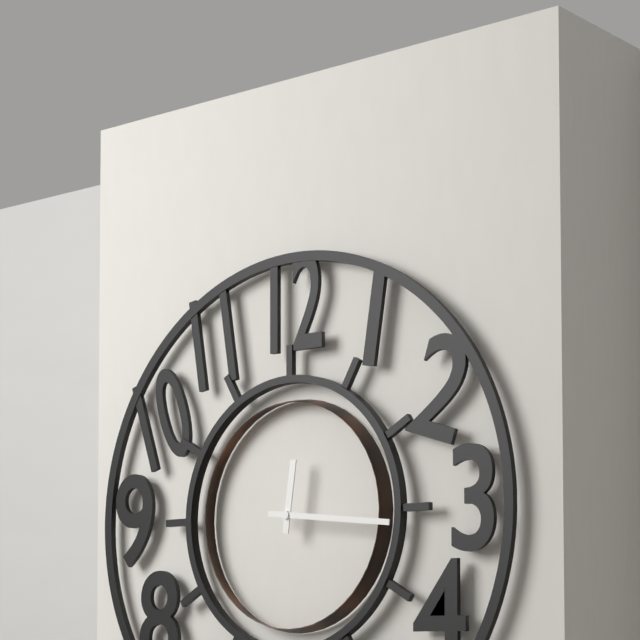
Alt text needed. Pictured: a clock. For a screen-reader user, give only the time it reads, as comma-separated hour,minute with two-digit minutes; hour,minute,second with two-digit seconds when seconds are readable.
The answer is 12,16
